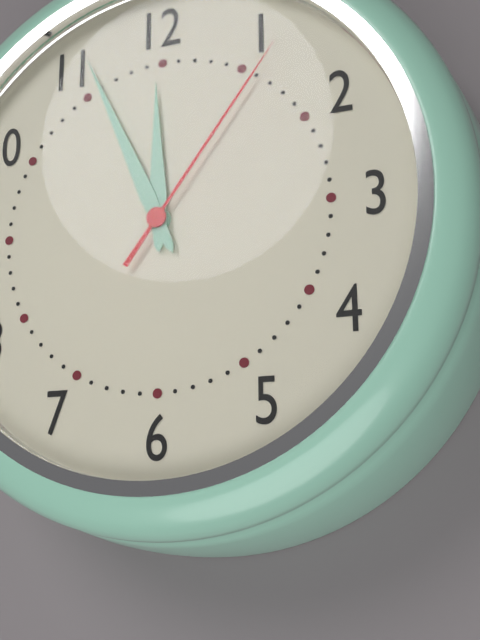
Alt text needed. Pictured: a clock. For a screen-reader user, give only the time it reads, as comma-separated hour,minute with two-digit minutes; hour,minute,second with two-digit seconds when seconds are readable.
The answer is 11,56,06
